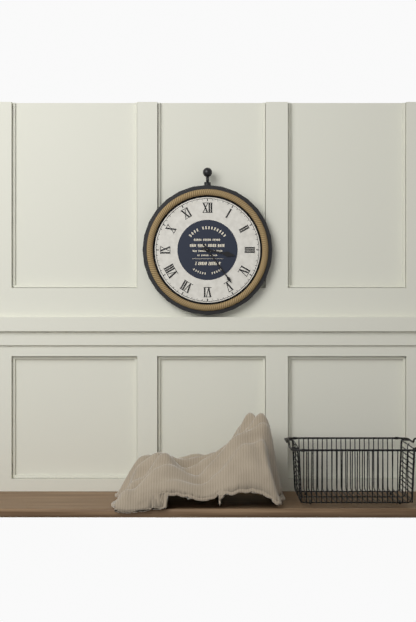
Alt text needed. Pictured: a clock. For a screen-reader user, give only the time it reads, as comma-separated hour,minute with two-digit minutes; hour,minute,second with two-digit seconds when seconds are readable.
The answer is 3,24
